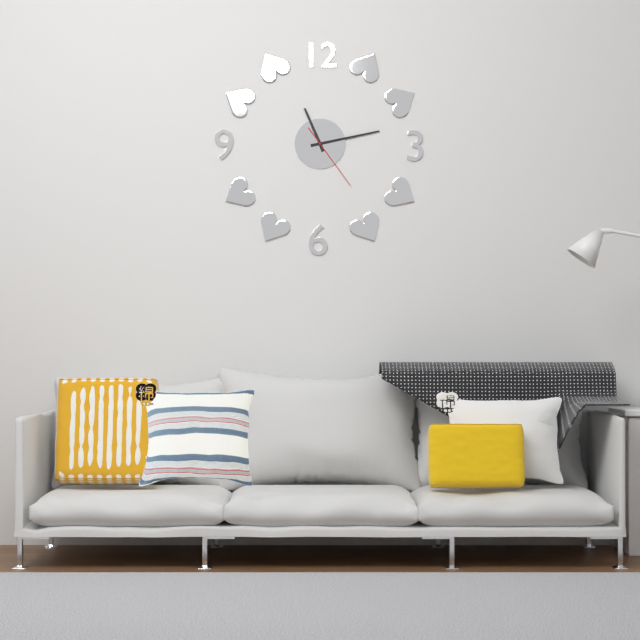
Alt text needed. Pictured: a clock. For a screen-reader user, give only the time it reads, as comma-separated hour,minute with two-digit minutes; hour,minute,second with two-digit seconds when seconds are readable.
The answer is 11,13,24
